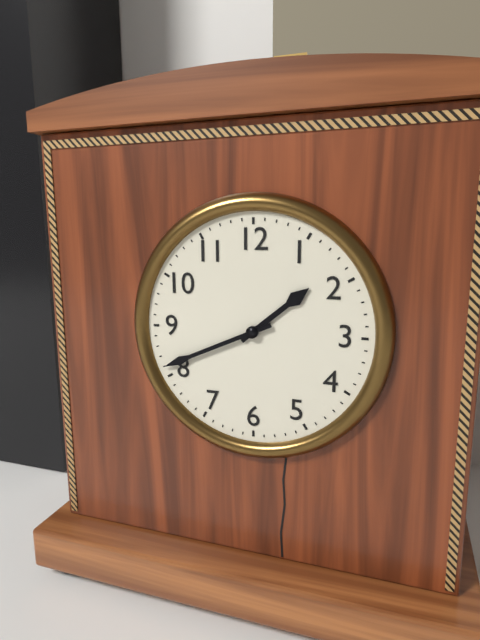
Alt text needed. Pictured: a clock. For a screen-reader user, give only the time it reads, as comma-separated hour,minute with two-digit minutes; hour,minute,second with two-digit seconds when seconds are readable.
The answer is 1,41
